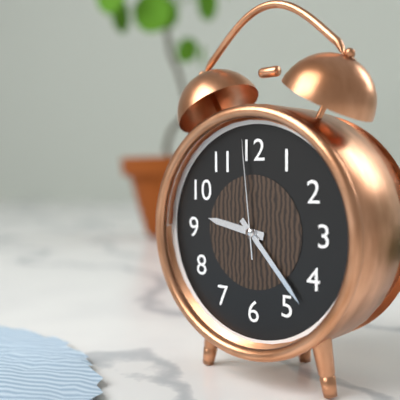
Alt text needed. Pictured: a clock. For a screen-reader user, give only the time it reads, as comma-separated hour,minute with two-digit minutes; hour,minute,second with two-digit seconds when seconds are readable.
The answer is 9,23,59
